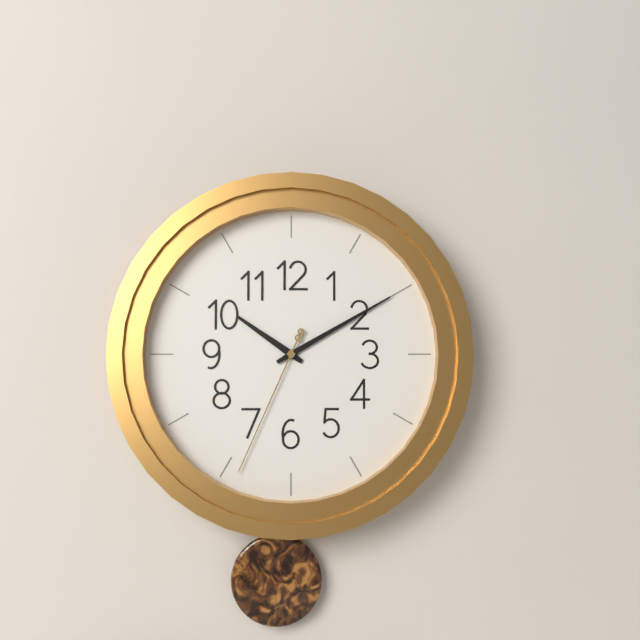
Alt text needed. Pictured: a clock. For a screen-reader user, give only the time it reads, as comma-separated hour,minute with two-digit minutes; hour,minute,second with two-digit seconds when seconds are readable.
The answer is 10,10,34
